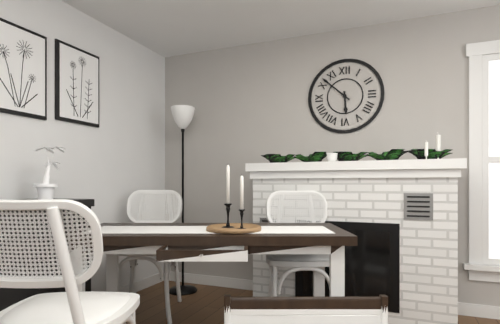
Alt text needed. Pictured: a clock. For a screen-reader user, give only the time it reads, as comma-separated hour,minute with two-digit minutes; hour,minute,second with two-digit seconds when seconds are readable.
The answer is 5,52
